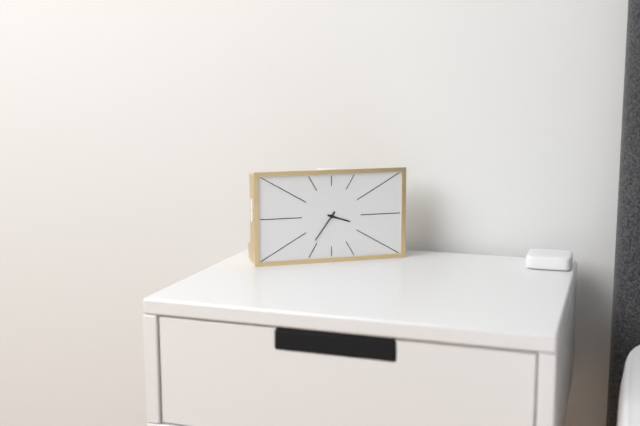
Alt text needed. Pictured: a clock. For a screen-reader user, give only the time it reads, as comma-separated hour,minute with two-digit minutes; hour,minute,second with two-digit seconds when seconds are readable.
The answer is 3,36
